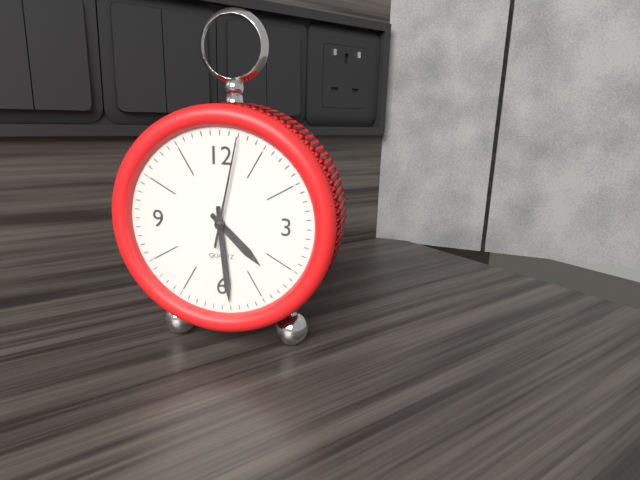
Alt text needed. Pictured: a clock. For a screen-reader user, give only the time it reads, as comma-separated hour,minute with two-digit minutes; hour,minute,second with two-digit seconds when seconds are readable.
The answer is 4,29,02
